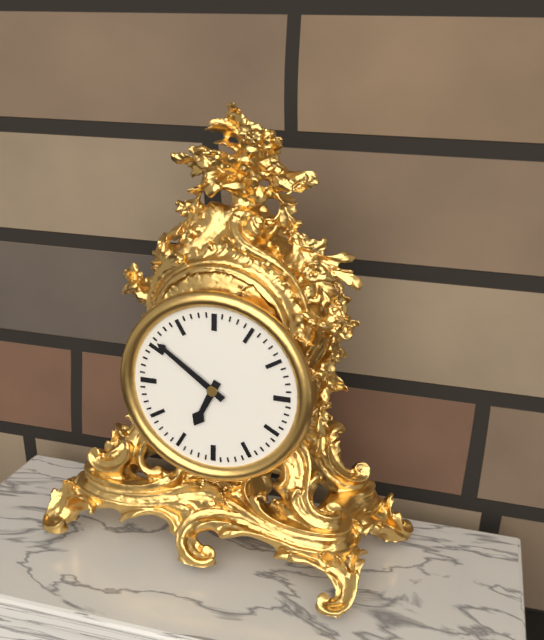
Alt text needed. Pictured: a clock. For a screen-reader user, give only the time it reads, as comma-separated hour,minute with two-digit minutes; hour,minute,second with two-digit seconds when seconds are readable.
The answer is 6,51
